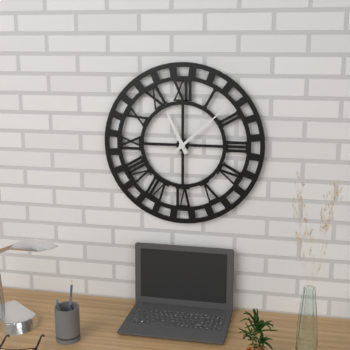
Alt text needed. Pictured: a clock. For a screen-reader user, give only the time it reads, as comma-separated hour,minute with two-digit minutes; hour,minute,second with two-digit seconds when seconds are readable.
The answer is 11,08
